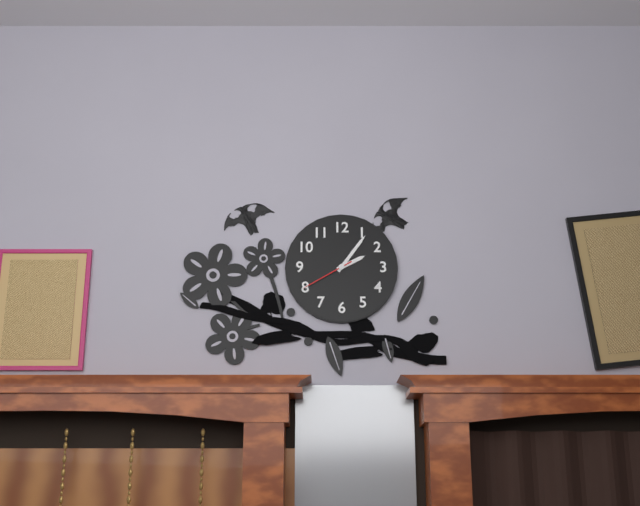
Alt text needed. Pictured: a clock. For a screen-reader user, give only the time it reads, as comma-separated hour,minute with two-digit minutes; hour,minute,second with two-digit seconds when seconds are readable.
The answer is 2,06,40
